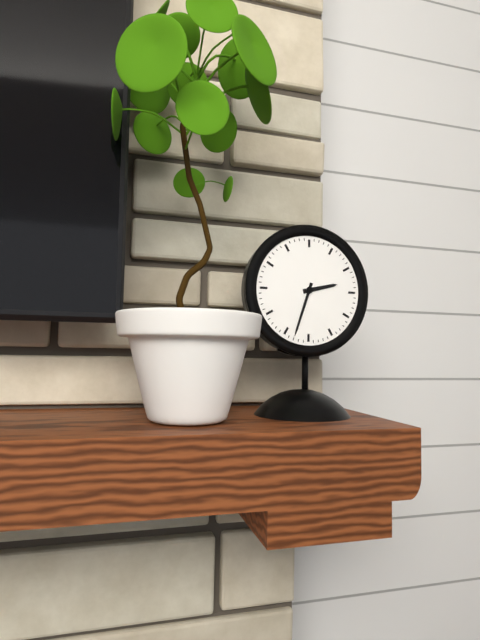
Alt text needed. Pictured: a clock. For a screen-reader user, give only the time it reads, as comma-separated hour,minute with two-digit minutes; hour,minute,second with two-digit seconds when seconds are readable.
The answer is 2,33
